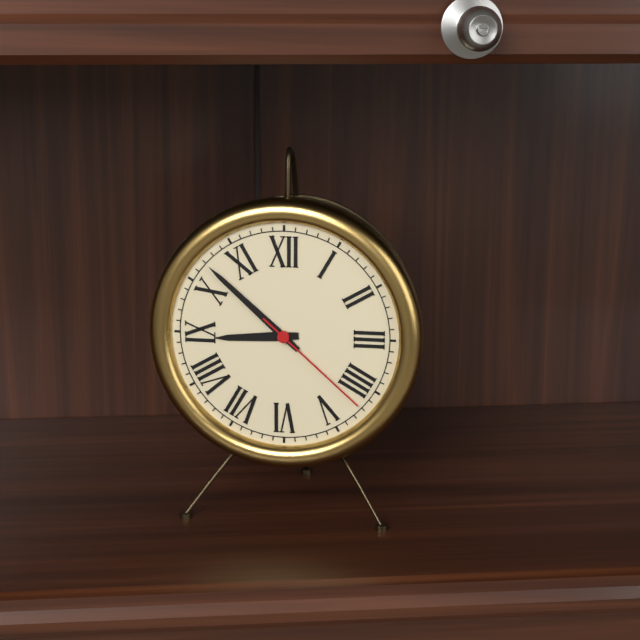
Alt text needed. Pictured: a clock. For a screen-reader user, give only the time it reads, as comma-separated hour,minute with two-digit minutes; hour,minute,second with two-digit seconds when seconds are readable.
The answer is 8,52,22
